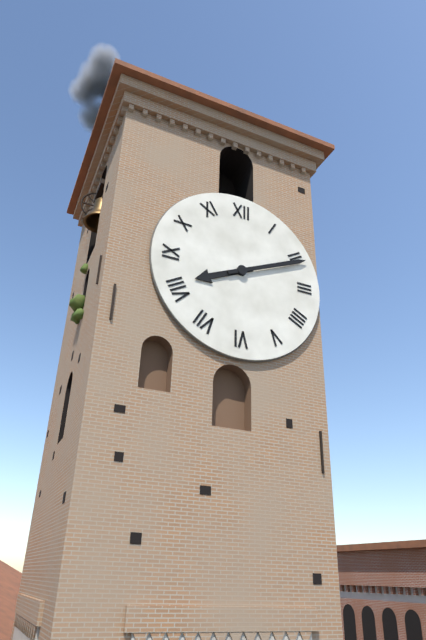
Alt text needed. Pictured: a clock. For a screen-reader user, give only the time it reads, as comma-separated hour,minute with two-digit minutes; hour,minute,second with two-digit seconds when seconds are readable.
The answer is 8,11
